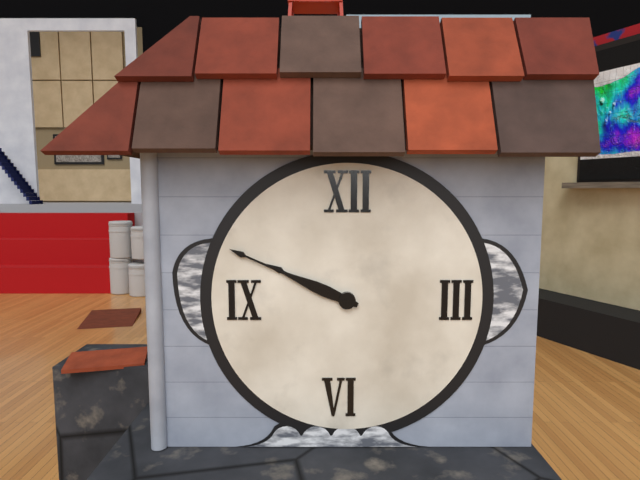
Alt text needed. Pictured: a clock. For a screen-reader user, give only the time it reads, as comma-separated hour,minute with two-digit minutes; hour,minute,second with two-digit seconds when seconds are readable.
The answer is 9,49
